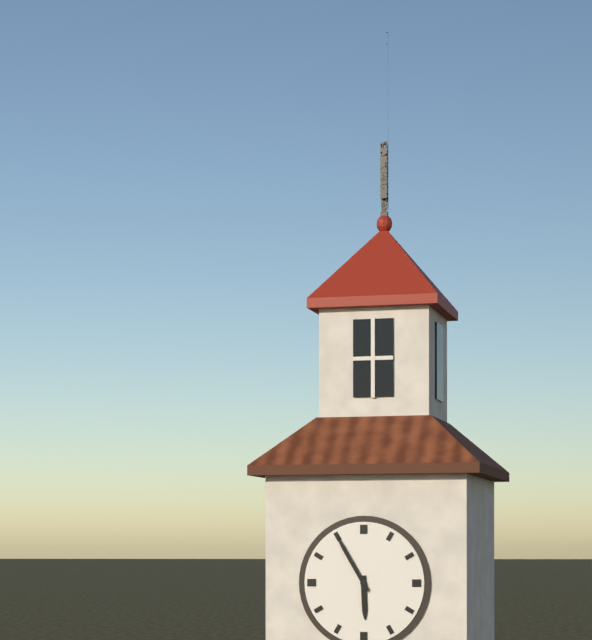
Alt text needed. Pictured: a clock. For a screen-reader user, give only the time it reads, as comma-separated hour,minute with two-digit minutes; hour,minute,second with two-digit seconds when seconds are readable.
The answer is 5,55
